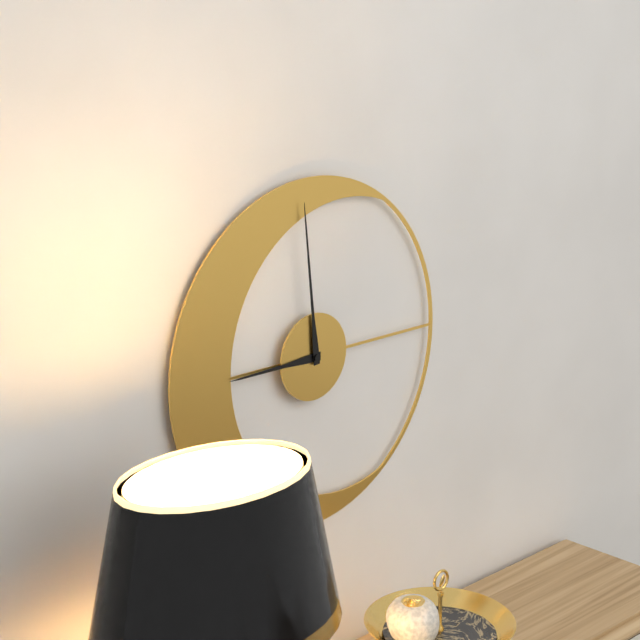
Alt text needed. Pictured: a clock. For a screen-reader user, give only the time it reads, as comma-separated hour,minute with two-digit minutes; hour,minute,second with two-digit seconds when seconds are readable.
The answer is 8,59
